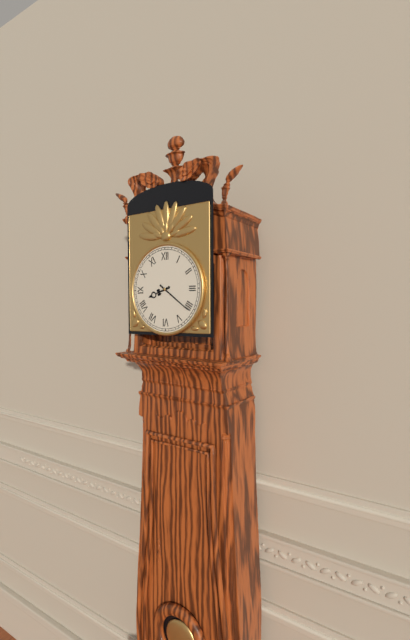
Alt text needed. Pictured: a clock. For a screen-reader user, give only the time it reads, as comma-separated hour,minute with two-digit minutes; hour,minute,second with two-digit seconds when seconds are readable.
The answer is 8,21
